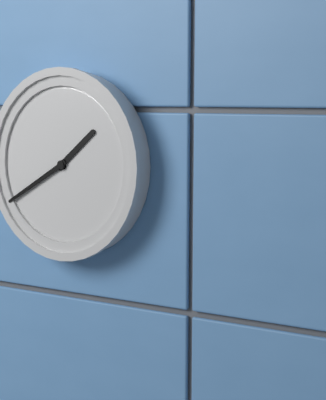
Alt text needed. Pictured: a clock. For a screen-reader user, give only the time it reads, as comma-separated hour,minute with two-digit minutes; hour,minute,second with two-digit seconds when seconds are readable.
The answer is 1,40
